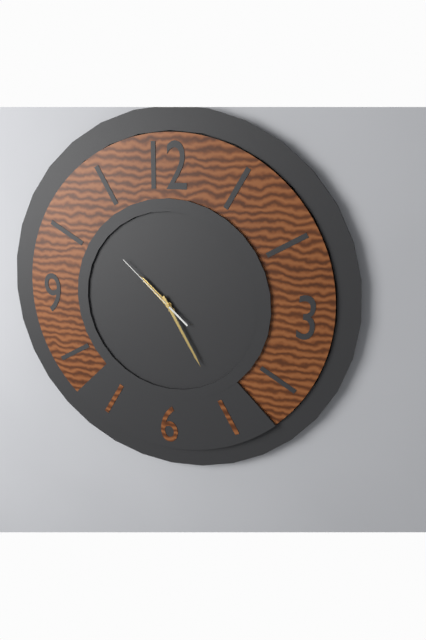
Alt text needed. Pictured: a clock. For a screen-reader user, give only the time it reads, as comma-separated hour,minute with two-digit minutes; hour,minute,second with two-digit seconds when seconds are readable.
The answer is 10,25,52
